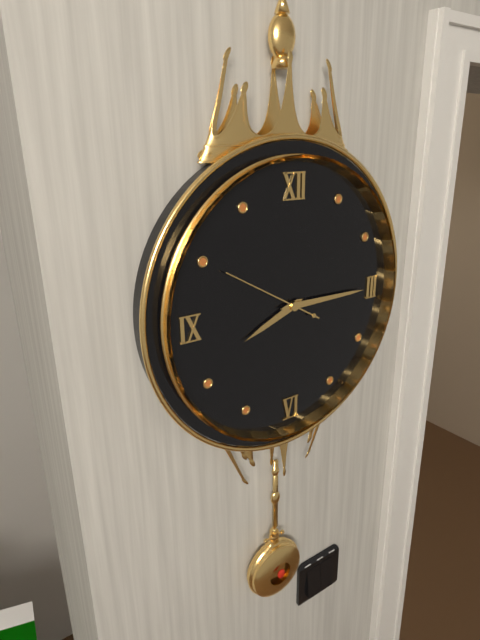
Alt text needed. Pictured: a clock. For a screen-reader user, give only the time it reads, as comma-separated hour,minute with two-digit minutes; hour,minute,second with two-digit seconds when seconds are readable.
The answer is 8,15,50
